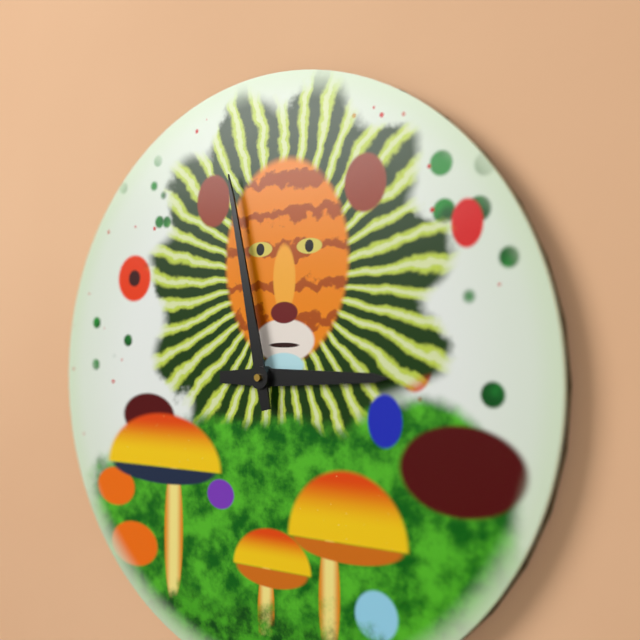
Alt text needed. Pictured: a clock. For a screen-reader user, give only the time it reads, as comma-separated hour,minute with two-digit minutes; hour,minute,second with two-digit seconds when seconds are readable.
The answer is 2,58
